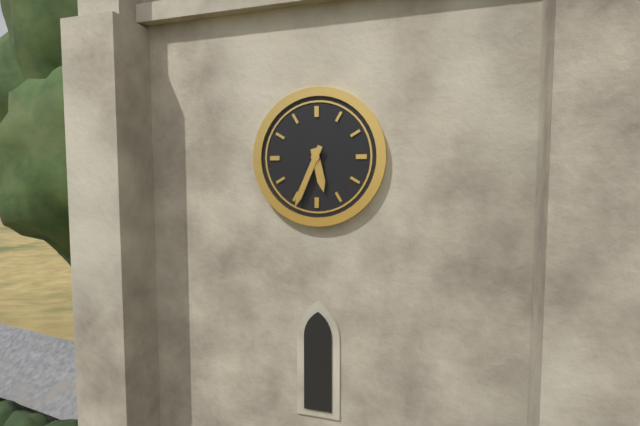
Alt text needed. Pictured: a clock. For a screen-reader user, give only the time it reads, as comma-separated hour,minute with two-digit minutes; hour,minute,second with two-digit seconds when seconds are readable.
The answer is 5,34
